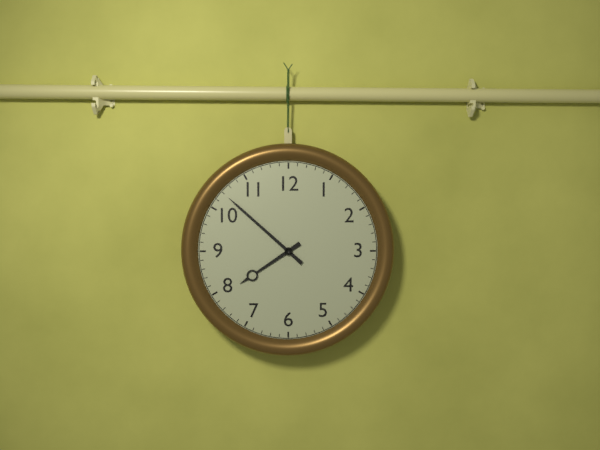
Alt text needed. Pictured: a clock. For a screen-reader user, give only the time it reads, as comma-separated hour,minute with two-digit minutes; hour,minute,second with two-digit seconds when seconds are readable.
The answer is 7,52
